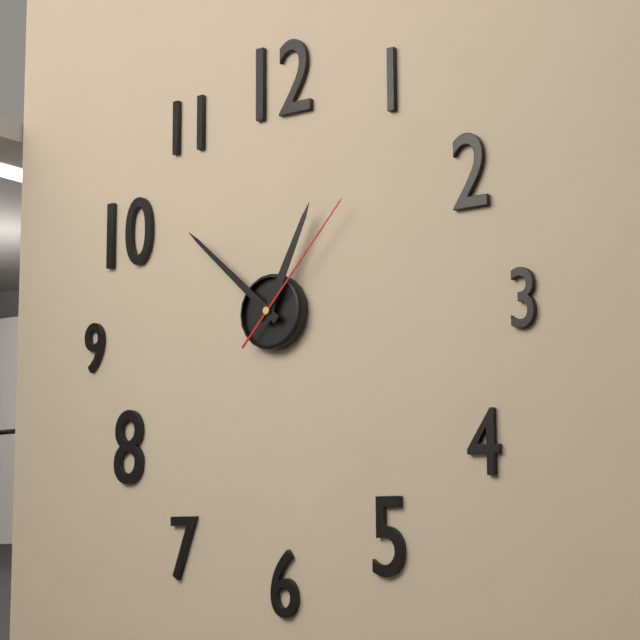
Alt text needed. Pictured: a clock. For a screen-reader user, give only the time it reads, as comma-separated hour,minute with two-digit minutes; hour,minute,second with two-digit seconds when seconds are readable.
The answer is 12,52,07
